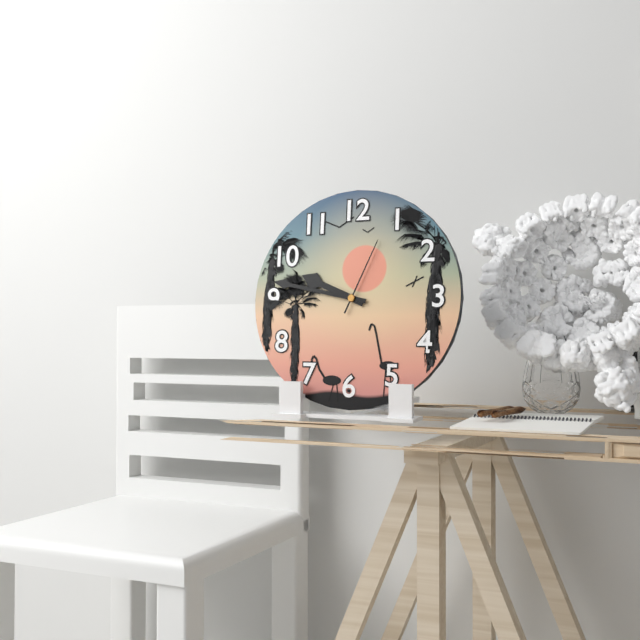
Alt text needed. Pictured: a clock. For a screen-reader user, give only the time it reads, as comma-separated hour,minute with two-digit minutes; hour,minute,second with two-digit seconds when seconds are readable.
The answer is 9,47,04
